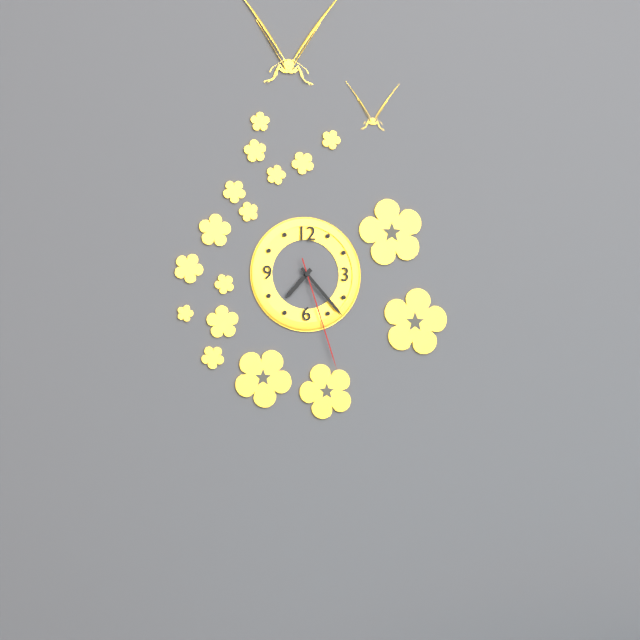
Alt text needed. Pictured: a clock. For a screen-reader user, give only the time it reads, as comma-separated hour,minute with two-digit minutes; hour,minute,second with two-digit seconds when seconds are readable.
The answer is 7,23,27
